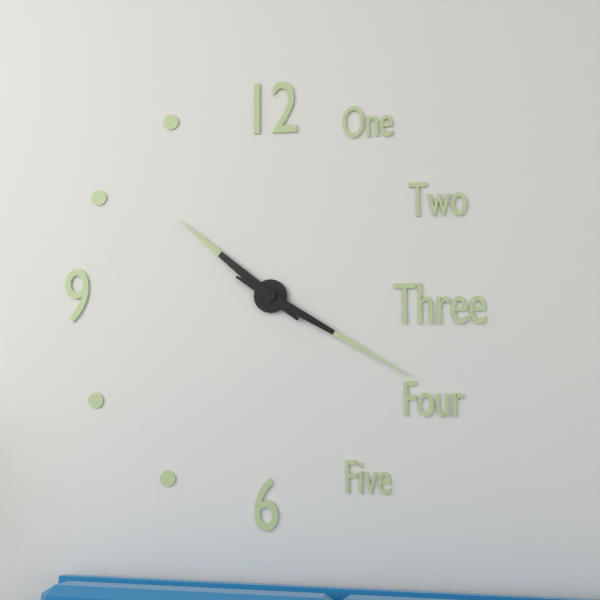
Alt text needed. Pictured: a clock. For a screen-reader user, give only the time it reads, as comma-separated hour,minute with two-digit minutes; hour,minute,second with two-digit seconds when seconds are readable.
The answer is 10,20
